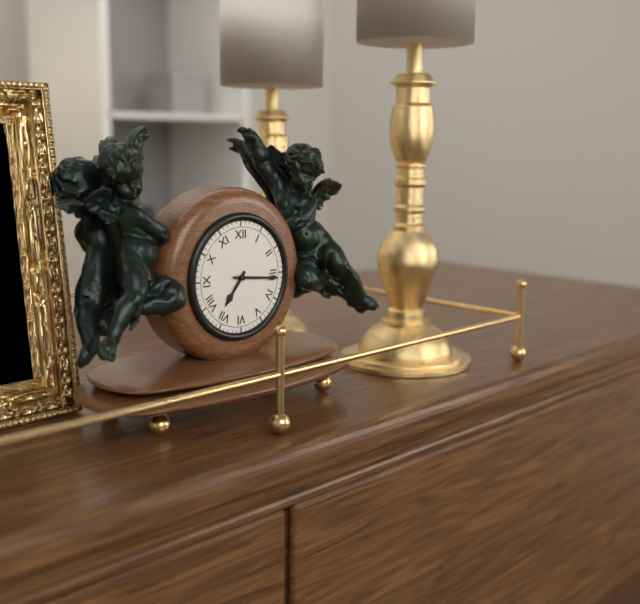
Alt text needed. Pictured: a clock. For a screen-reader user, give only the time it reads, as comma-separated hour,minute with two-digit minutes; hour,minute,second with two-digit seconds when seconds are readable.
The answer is 7,16
